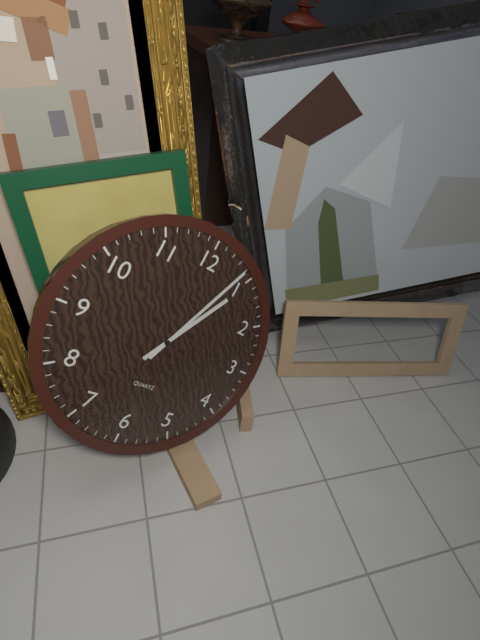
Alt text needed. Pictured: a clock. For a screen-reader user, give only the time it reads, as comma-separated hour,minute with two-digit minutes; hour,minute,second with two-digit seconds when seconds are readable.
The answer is 1,04
